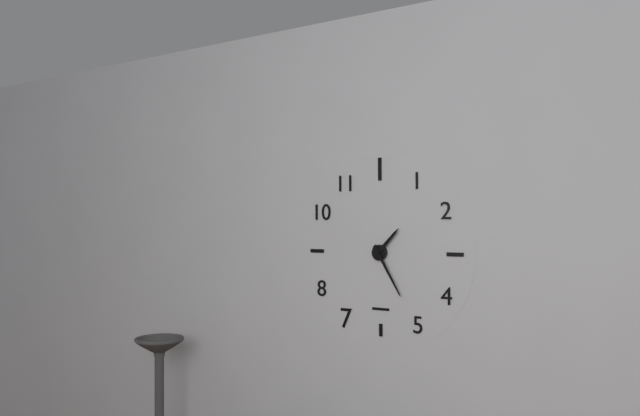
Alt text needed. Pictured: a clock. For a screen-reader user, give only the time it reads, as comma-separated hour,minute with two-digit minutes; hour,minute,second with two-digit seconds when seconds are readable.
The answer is 1,25
